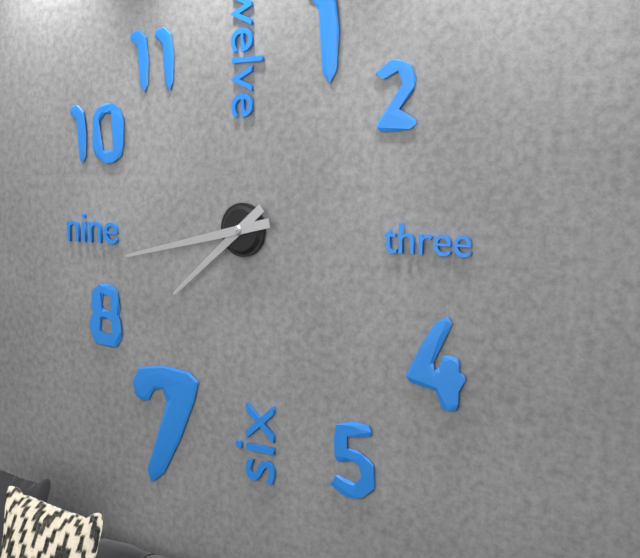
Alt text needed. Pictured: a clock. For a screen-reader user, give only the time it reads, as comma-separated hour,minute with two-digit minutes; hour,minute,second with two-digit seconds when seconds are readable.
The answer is 7,43
